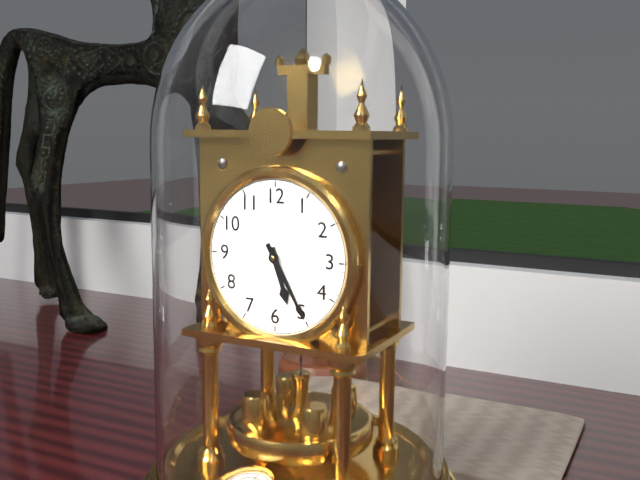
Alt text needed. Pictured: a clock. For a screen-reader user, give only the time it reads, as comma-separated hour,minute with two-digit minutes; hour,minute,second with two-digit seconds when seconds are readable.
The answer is 5,25
